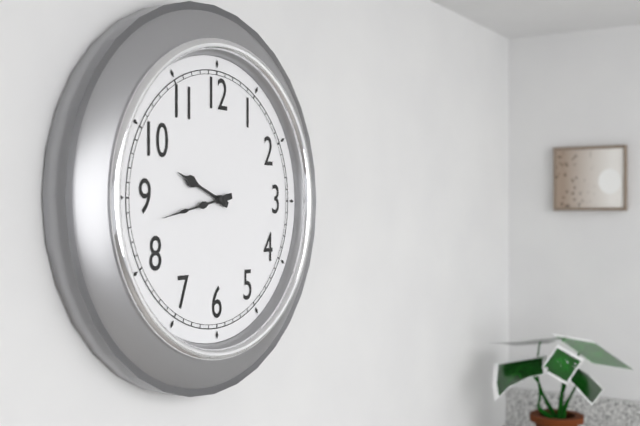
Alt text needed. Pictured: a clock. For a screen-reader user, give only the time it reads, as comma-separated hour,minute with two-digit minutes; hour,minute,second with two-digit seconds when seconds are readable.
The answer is 9,43
